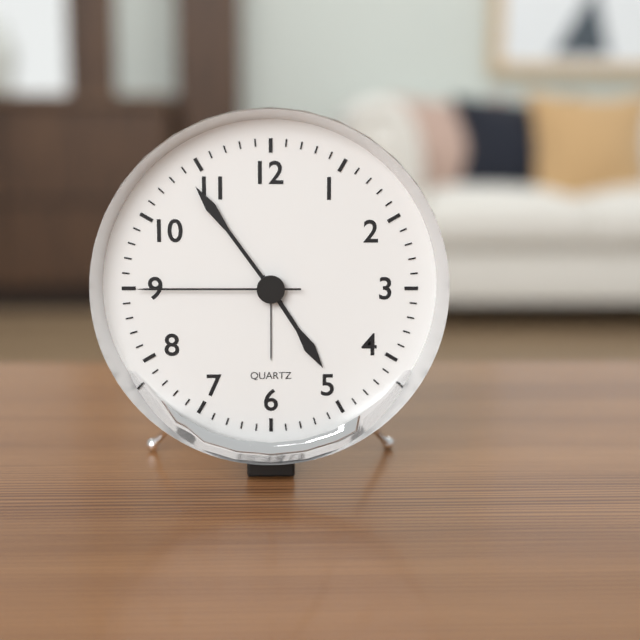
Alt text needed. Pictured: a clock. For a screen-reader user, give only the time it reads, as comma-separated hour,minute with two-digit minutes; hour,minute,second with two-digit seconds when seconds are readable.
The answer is 4,54,45
